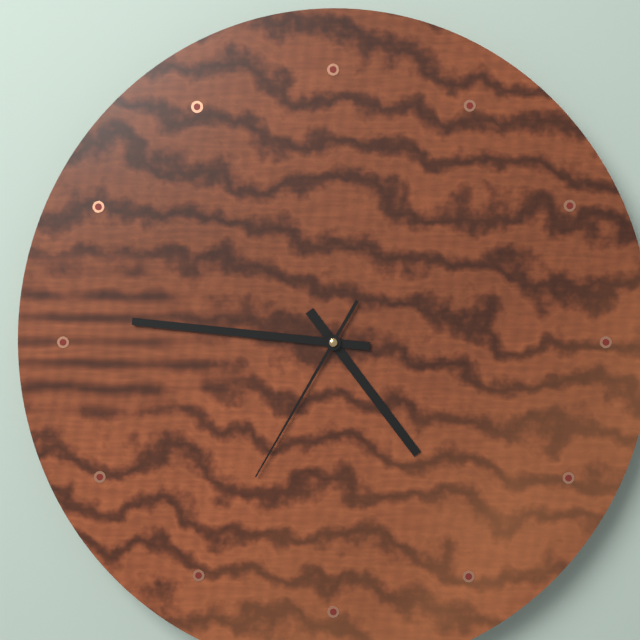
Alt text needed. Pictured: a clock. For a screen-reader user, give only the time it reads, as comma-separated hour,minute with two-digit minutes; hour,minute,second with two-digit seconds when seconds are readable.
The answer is 4,46,35
